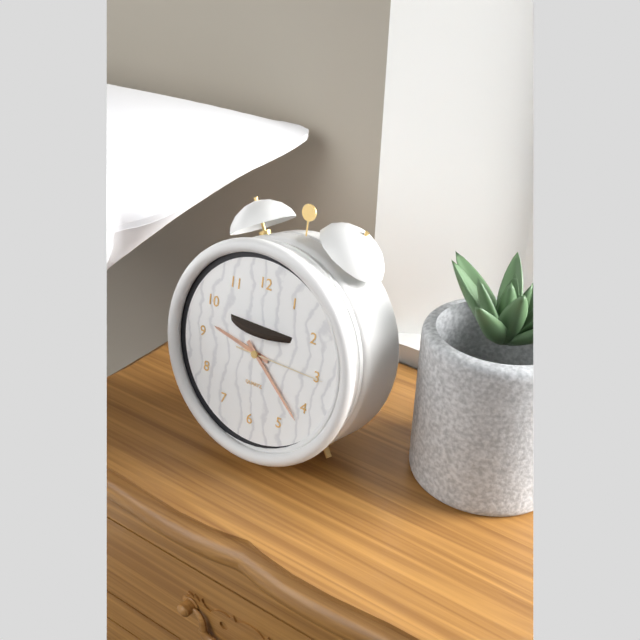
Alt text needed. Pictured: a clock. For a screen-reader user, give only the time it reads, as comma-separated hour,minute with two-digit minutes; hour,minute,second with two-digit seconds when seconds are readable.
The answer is 9,22,15
